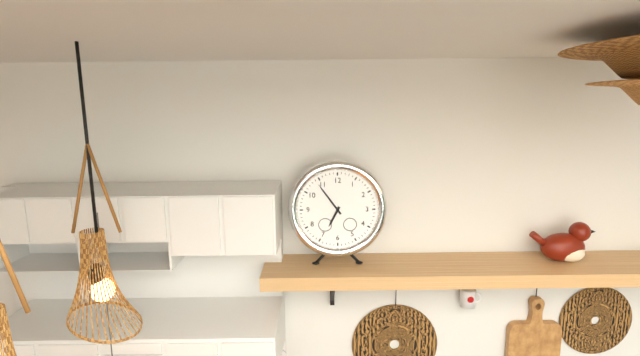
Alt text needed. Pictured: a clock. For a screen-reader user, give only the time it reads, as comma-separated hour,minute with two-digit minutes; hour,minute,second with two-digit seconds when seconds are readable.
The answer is 6,54
